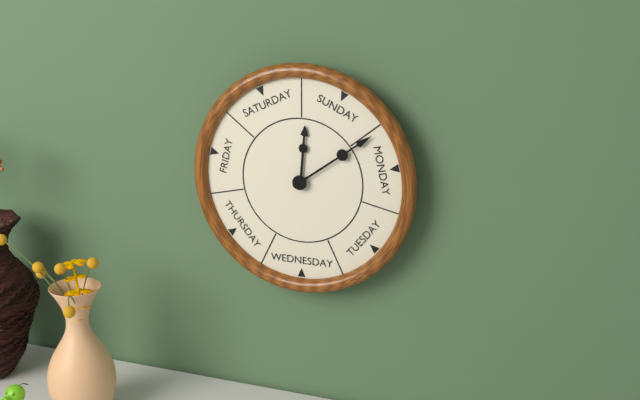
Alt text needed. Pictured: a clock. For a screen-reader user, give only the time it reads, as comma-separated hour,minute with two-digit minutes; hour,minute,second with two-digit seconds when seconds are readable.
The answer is 12,09
